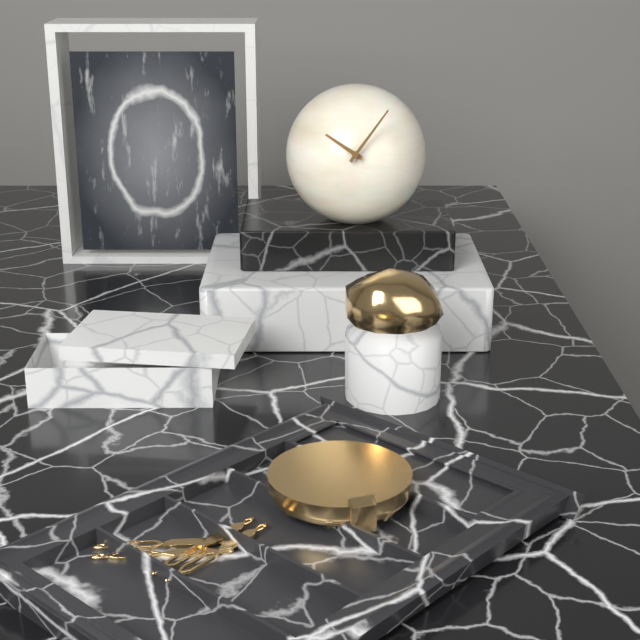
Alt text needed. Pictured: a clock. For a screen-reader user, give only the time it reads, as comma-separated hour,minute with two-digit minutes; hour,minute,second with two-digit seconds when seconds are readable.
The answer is 10,06
